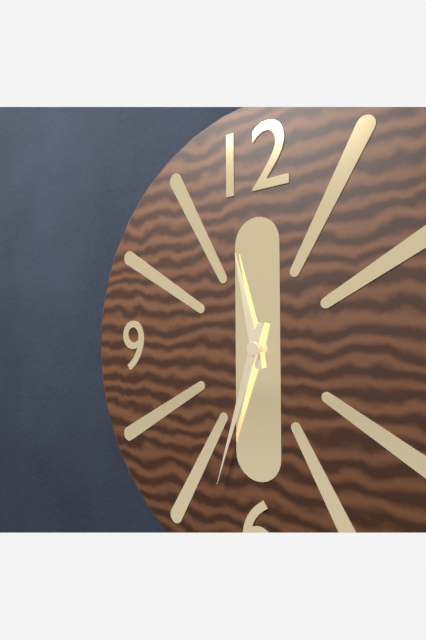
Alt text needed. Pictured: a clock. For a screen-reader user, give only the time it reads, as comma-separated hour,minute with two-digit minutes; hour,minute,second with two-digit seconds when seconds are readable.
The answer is 11,33
